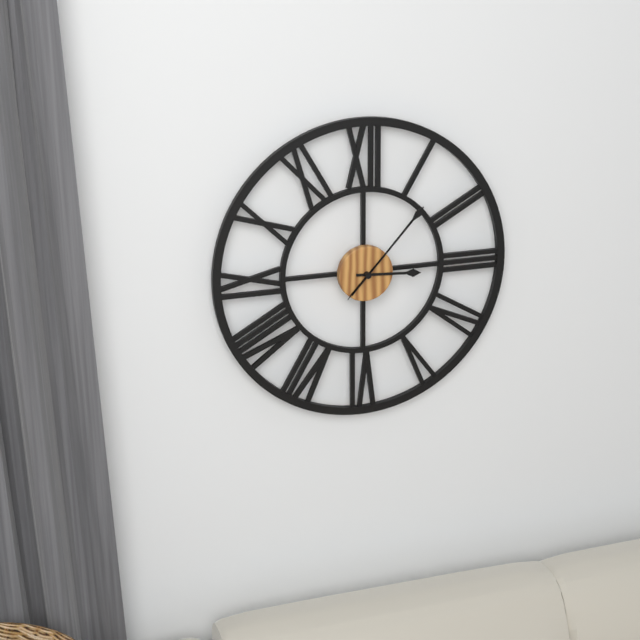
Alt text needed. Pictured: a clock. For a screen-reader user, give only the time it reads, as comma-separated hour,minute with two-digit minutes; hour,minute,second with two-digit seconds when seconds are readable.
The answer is 3,07
